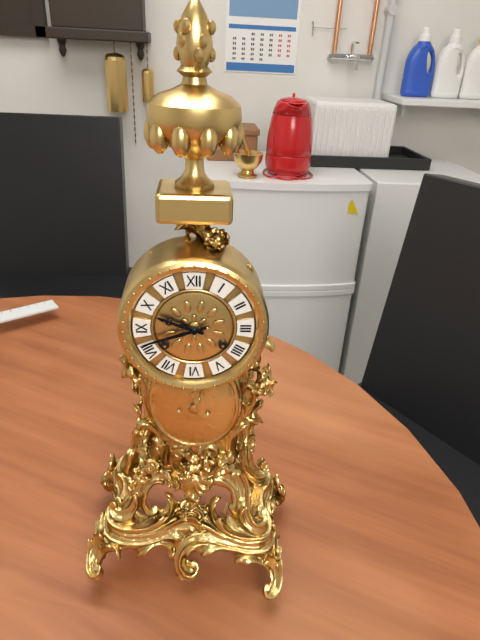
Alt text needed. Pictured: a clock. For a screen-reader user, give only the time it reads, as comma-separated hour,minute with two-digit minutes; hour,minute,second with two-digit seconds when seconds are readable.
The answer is 9,42
